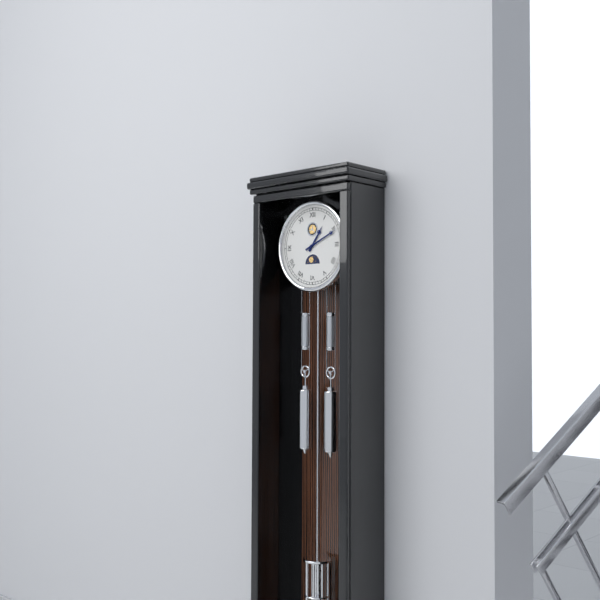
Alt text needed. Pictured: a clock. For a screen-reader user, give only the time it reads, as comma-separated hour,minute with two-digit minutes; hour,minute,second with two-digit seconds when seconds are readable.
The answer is 1,11
